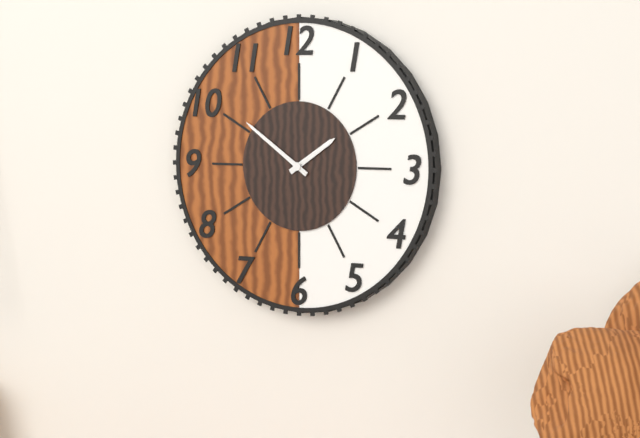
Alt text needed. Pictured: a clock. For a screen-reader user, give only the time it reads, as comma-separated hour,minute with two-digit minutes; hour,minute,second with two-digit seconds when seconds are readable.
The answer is 1,51
